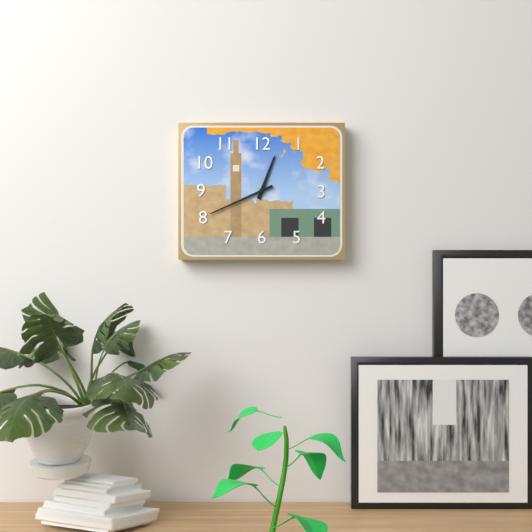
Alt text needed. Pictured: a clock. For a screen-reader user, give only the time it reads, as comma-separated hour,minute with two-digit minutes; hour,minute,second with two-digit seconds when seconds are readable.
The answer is 12,41
